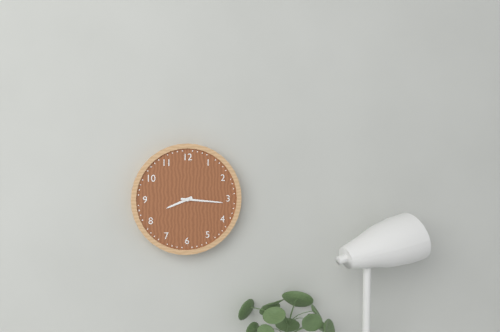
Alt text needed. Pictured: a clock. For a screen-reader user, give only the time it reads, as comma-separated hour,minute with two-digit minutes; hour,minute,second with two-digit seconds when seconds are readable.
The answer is 8,16
